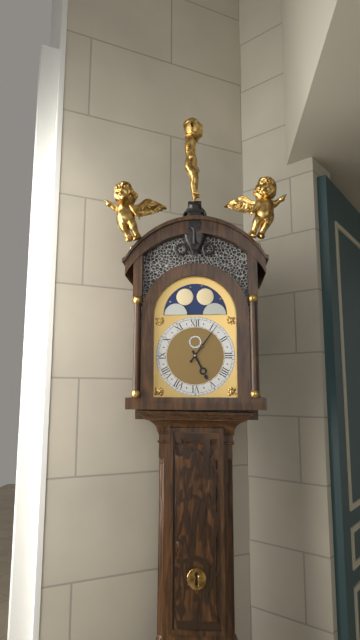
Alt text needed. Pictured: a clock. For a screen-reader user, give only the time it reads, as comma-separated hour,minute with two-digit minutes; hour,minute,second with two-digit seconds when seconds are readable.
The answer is 5,06
